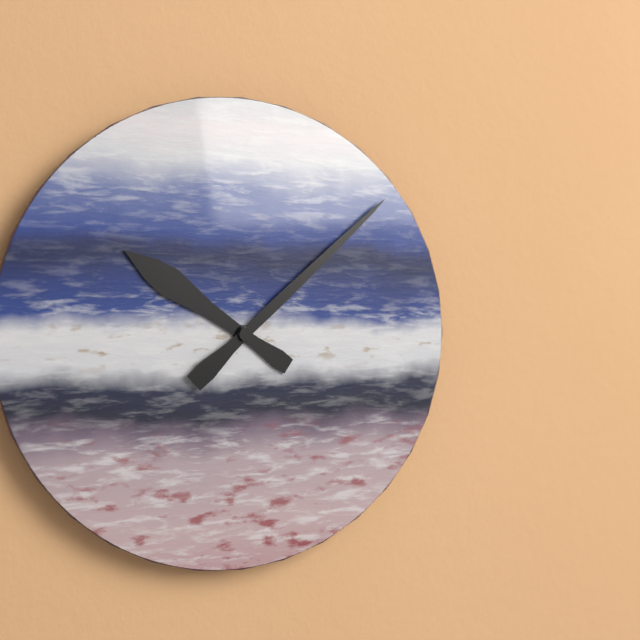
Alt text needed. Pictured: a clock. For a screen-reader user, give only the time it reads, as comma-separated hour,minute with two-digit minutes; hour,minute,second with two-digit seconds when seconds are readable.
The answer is 10,08
